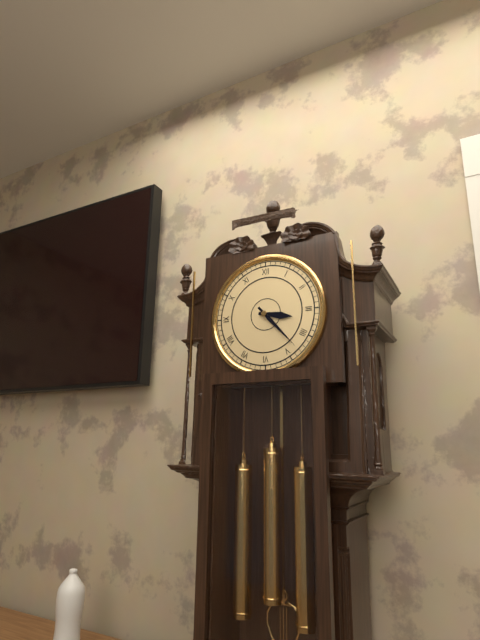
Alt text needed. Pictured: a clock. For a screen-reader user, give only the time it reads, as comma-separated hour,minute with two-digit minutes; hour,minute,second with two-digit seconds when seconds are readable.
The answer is 3,23
